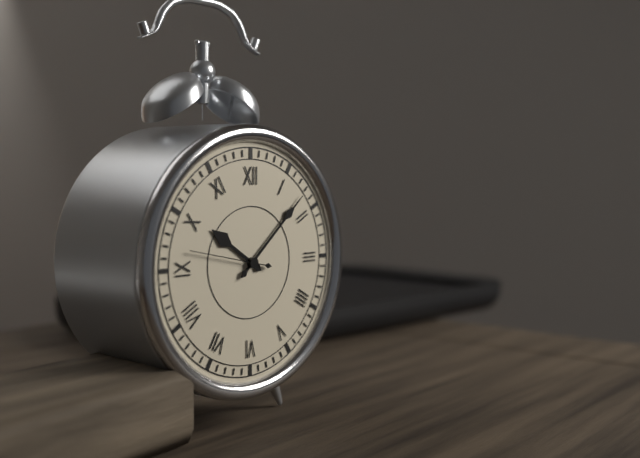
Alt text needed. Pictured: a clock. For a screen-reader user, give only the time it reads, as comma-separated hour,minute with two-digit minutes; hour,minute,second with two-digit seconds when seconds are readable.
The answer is 10,08,47
